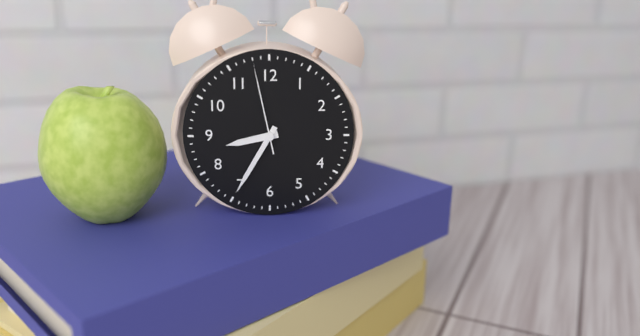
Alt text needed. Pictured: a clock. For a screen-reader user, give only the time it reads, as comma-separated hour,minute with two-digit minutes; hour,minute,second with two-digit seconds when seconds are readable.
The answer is 8,35,58
